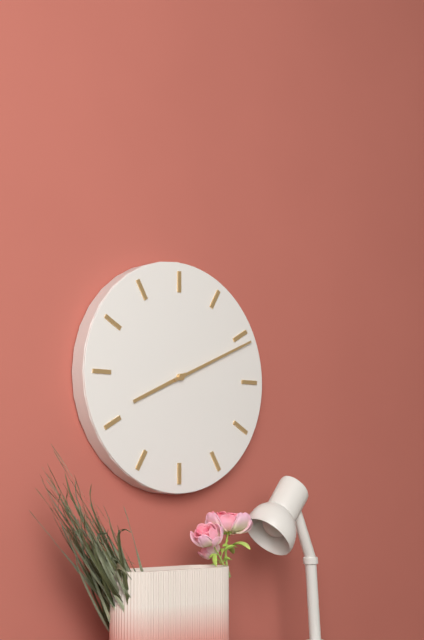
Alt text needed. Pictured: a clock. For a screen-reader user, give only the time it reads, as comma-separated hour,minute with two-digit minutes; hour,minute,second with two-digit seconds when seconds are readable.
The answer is 8,11
